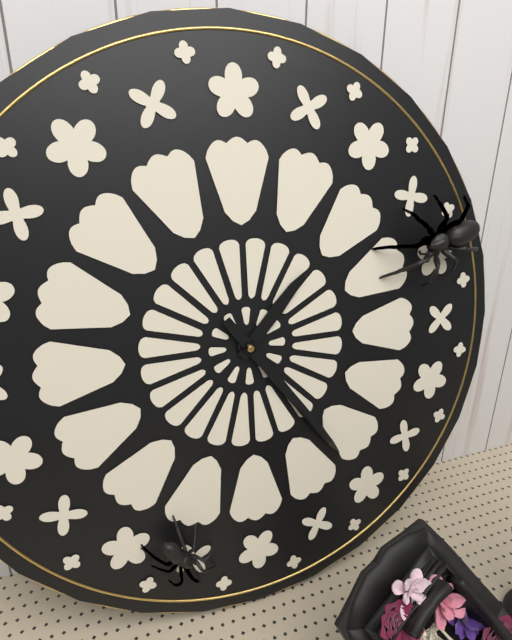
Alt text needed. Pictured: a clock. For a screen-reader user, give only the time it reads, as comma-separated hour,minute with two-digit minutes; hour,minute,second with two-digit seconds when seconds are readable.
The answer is 1,24
